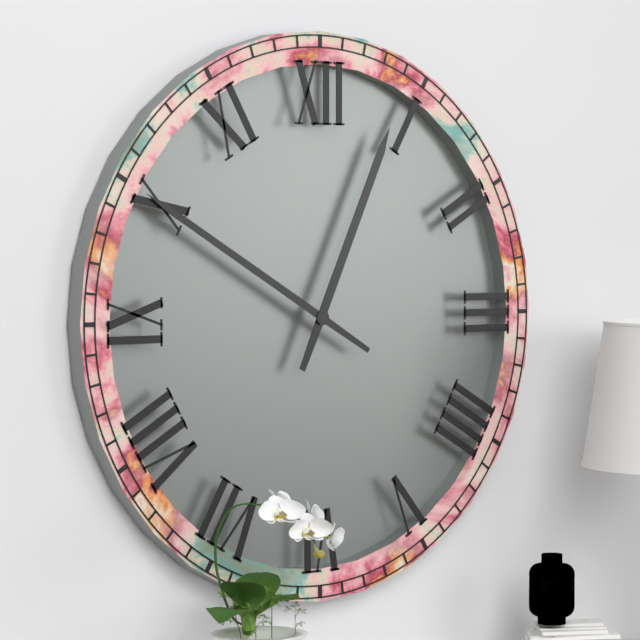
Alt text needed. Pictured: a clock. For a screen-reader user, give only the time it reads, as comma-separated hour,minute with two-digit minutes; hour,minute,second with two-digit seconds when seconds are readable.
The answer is 12,50
